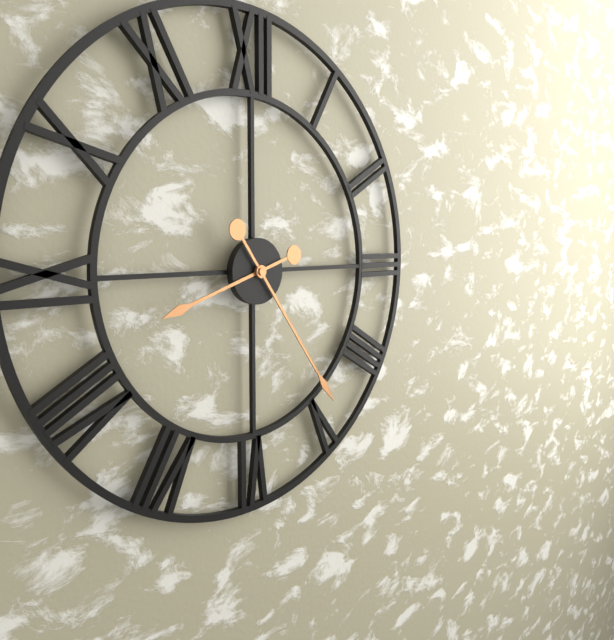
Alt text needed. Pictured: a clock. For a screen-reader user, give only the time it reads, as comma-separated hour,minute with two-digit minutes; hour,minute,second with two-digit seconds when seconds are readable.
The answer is 8,24
